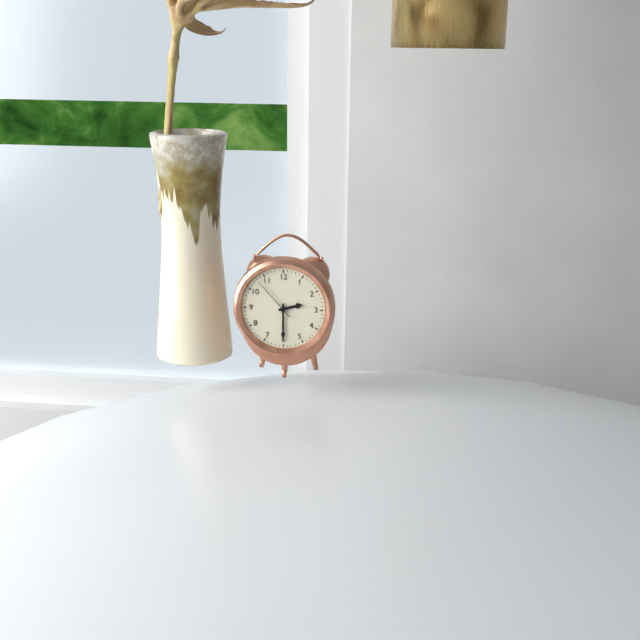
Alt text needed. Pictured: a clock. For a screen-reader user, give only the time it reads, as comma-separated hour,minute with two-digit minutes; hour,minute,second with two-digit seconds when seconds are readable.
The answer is 2,30
